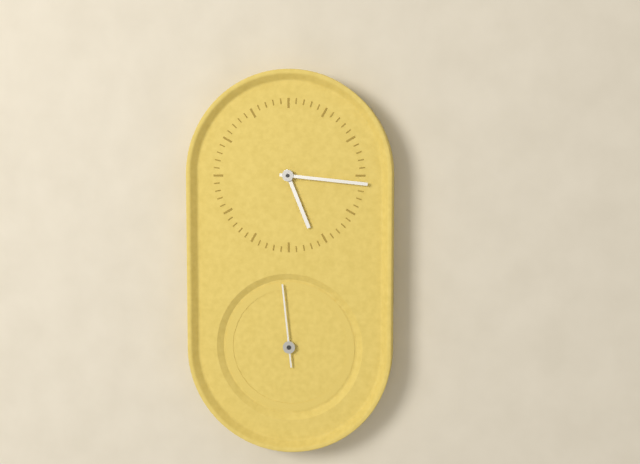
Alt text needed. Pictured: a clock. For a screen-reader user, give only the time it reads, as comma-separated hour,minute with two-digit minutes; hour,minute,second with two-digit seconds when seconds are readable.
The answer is 5,16,59
